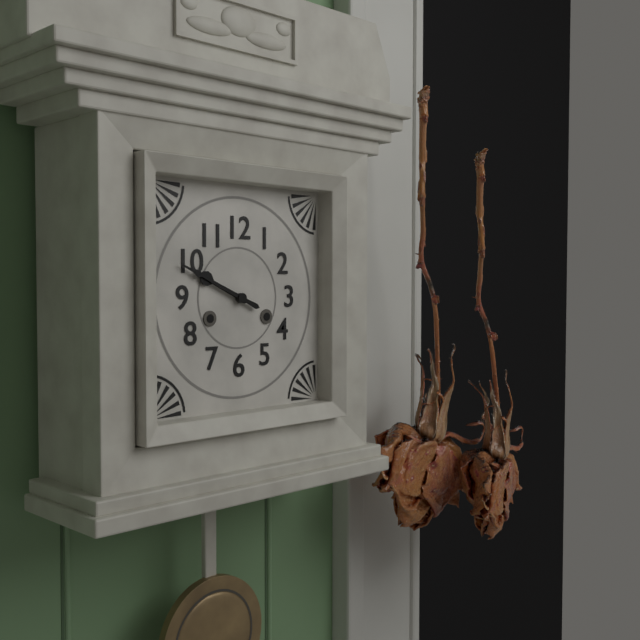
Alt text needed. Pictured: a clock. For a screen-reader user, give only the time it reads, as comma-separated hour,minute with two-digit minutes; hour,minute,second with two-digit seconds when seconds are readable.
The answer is 9,49
